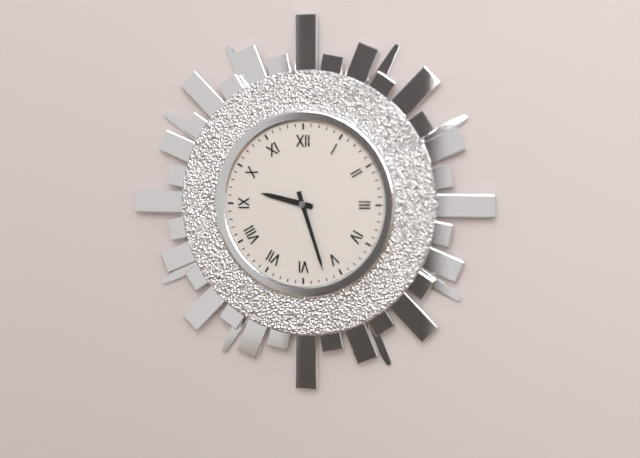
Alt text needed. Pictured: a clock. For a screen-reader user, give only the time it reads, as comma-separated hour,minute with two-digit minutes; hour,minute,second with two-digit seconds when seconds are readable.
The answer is 9,27
